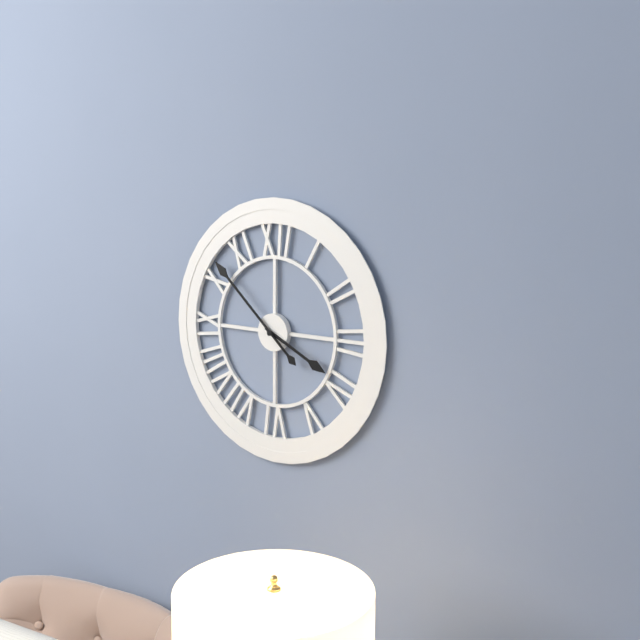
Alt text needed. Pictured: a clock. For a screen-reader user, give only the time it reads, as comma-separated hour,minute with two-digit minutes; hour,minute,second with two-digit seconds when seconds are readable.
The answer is 3,52
